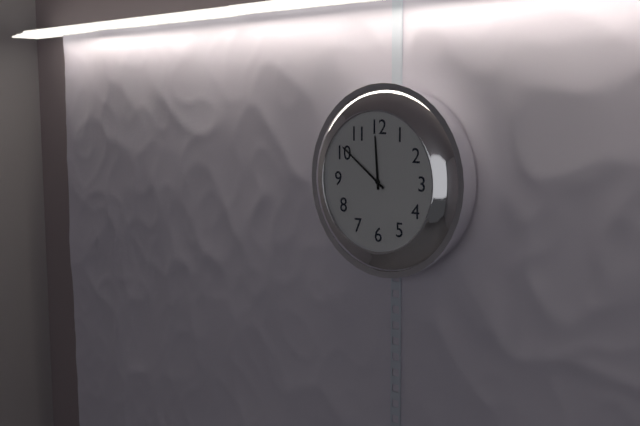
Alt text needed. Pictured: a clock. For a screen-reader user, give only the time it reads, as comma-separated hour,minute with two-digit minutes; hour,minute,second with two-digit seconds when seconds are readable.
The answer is 11,51
